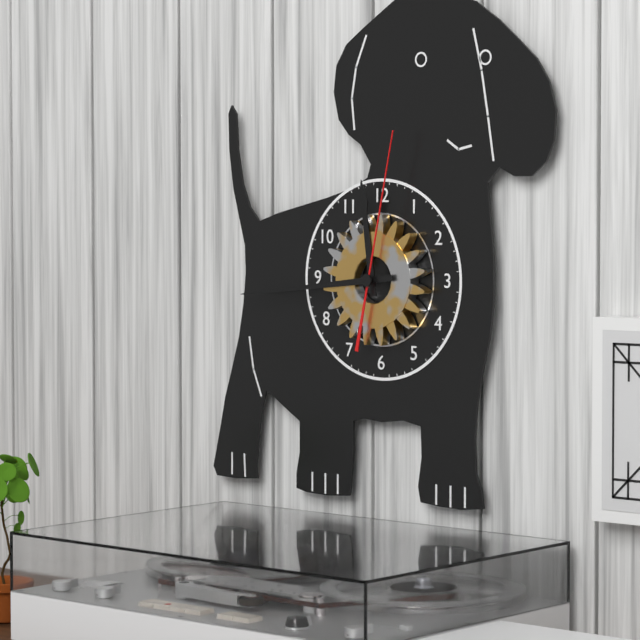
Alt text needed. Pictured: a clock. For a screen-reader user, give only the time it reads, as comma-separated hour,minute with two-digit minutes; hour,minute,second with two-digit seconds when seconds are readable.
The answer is 11,44,02
